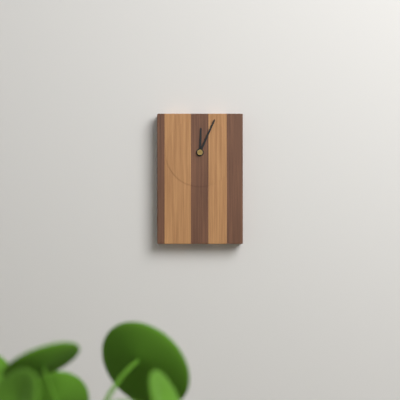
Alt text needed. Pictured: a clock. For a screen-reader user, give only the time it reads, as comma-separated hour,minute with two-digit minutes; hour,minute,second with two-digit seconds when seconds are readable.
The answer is 12,04
